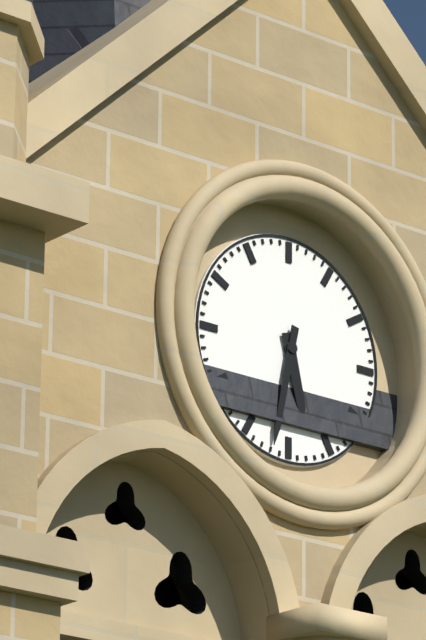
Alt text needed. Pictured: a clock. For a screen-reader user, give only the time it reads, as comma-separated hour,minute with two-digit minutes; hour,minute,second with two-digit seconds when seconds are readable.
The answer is 5,32
